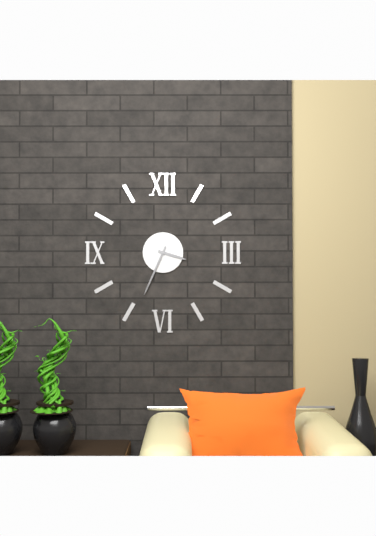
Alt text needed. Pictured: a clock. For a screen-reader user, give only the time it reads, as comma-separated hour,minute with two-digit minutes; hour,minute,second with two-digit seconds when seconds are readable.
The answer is 3,34
